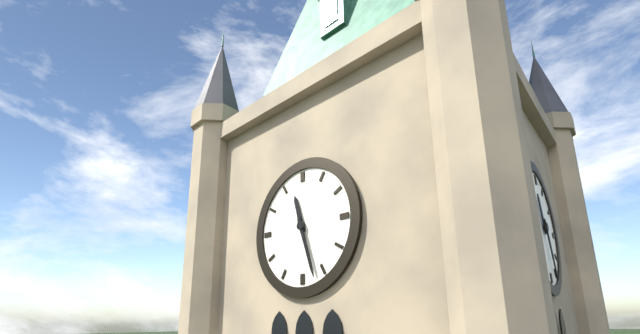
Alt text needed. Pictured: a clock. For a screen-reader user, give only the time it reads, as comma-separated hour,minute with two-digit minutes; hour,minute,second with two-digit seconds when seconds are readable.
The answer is 11,27
